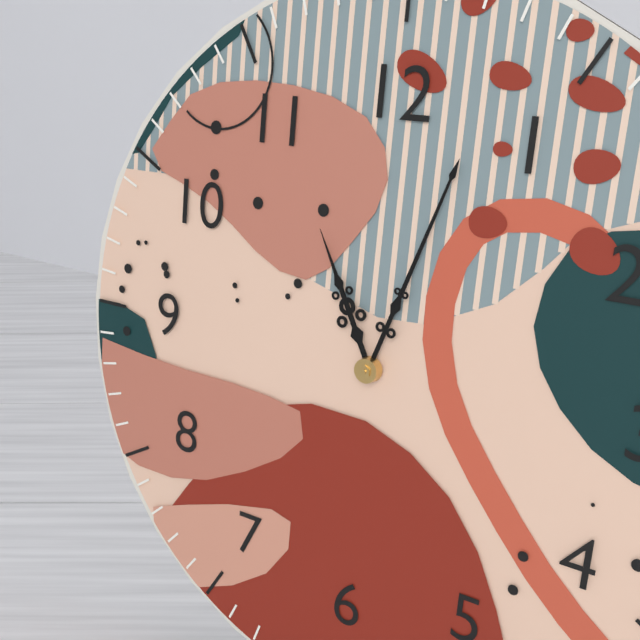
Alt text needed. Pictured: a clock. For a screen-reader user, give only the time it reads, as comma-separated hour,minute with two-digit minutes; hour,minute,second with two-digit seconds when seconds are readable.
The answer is 11,03
